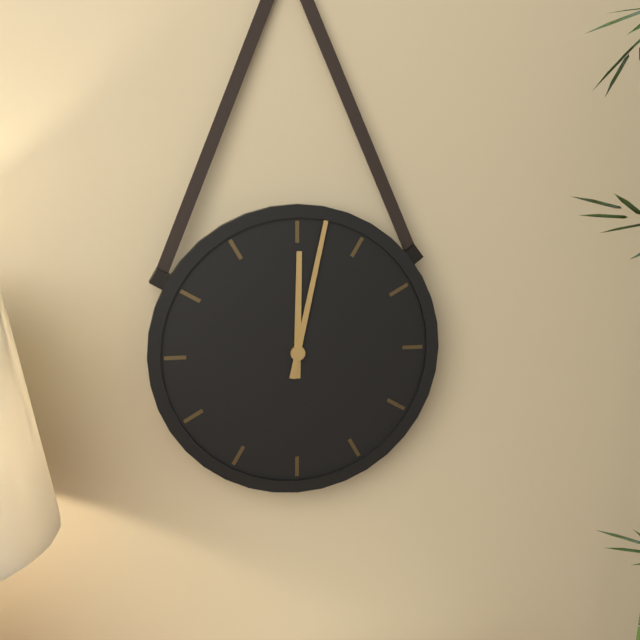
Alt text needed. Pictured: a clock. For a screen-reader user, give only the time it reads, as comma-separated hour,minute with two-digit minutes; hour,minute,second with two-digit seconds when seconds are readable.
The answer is 12,02
